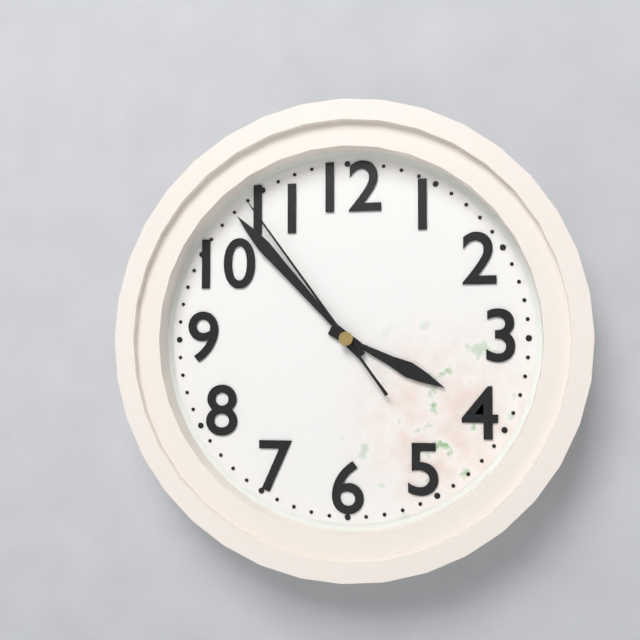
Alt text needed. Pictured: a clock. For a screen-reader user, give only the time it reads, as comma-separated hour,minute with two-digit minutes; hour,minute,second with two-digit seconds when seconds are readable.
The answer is 3,53,54
